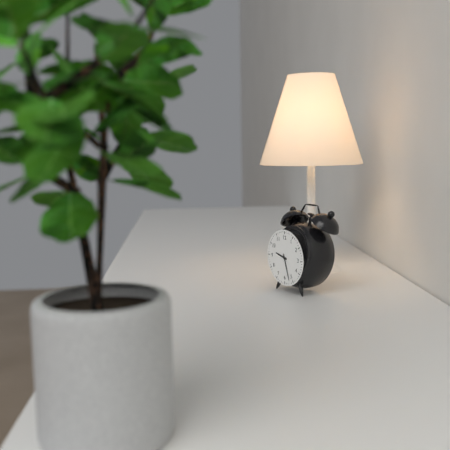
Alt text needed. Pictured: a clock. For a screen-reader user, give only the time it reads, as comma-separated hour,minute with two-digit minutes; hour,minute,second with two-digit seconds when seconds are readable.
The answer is 9,27
